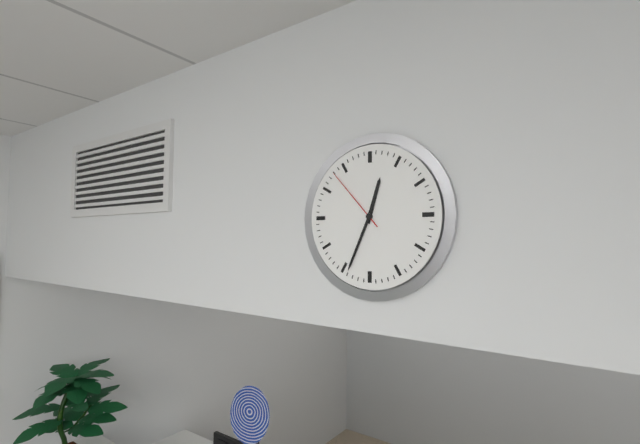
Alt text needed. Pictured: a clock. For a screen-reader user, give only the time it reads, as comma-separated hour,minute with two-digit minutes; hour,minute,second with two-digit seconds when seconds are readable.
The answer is 12,34,53
